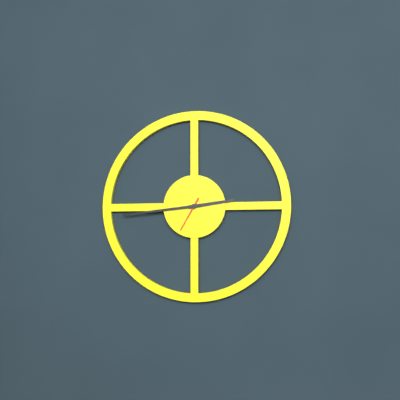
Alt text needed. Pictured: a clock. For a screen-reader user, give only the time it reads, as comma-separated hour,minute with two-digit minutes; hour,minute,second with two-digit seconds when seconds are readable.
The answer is 2,44
